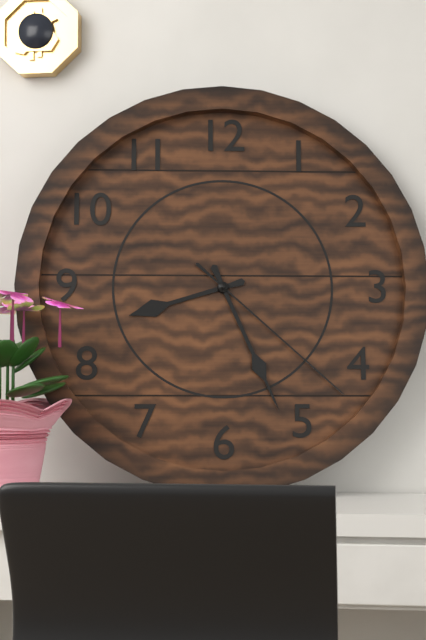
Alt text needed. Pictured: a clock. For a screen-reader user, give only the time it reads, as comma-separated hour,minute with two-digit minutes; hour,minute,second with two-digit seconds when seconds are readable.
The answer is 8,26,22
